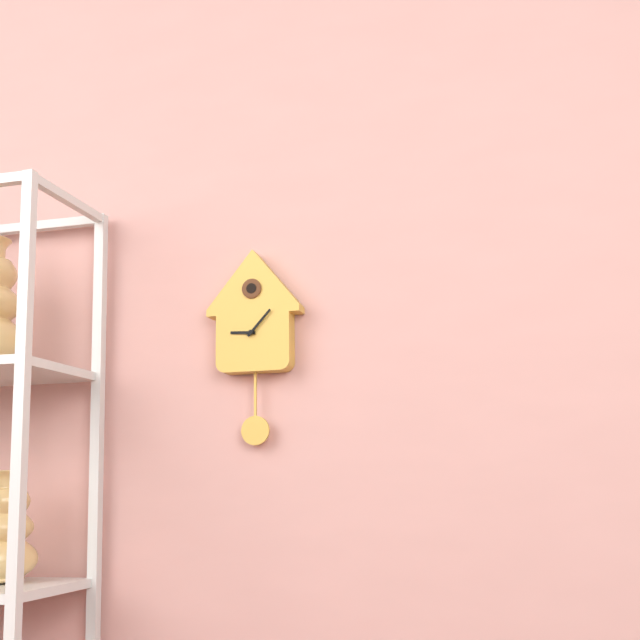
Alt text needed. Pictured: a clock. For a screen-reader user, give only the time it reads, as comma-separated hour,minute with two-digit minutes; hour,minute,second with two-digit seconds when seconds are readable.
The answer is 9,07
